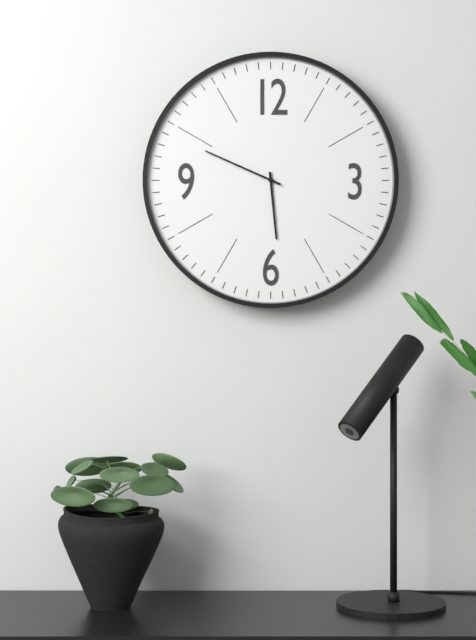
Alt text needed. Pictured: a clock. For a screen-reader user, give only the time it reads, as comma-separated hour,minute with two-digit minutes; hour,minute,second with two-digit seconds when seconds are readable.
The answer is 5,49
